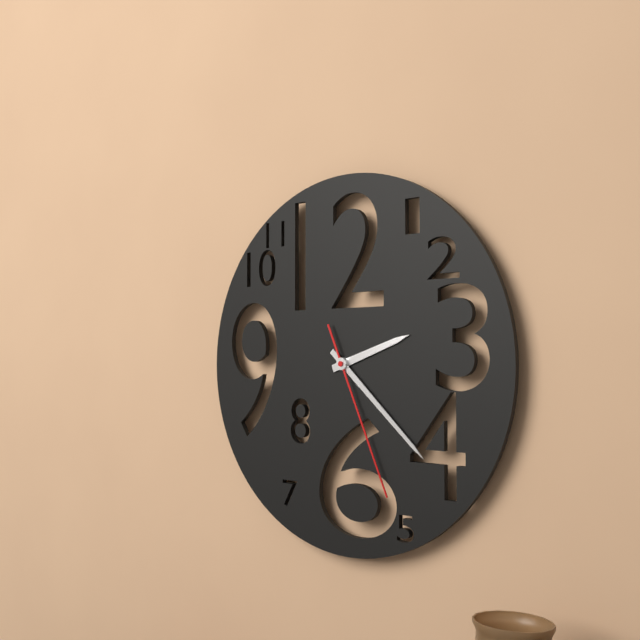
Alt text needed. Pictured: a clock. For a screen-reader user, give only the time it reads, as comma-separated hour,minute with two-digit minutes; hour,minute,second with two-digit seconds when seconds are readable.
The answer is 2,22,26
